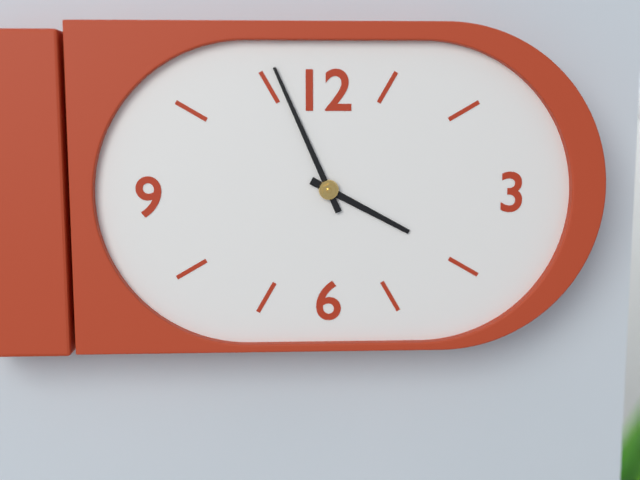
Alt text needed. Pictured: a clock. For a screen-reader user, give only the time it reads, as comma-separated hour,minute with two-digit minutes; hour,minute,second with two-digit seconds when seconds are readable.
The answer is 3,56
